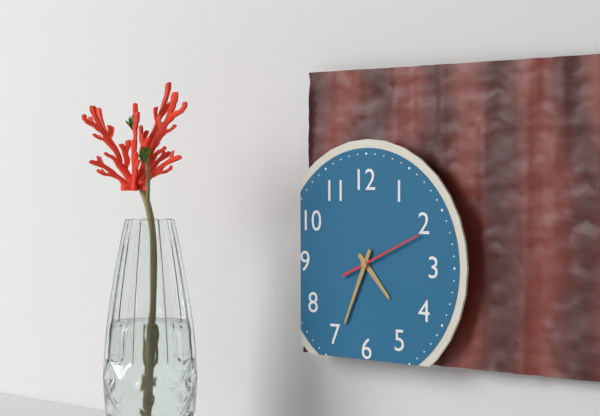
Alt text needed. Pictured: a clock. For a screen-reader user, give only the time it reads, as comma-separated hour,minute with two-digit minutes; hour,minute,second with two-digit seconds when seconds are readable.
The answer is 4,34,11
